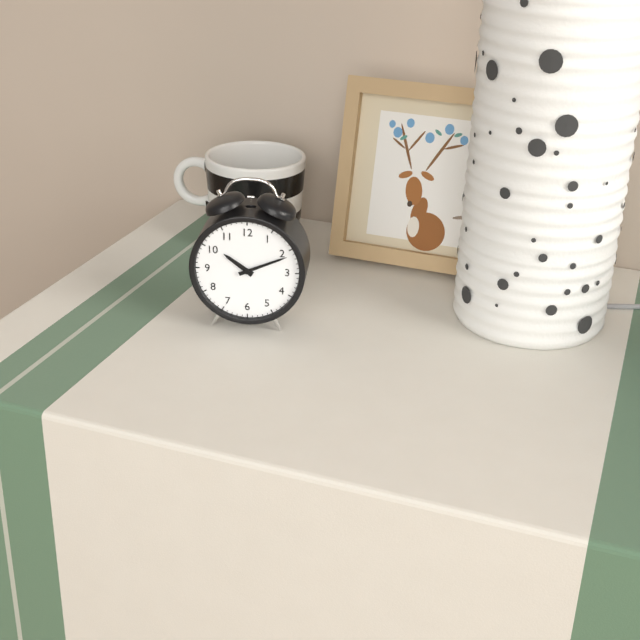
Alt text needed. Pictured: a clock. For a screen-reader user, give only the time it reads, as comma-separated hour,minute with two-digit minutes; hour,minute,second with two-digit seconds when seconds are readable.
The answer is 10,11
